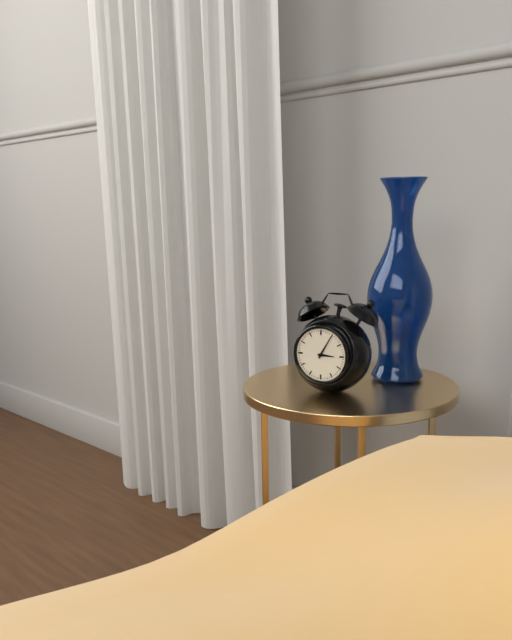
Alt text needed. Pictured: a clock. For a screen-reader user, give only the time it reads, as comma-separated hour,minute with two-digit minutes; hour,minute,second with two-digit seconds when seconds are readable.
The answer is 3,05
